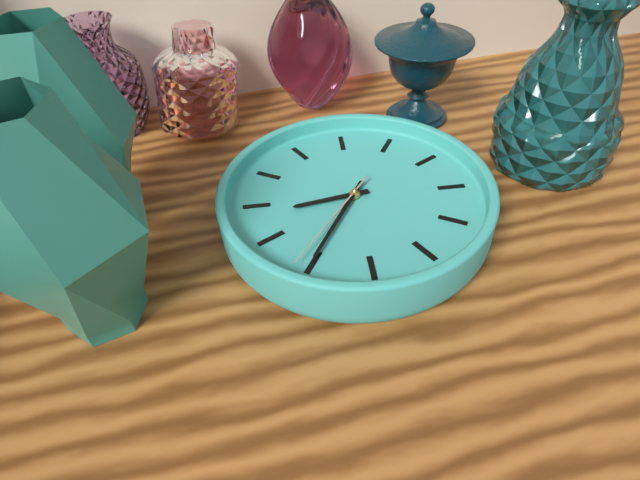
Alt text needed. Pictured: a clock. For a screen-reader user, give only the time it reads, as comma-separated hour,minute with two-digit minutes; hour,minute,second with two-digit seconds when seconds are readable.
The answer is 9,40,41
